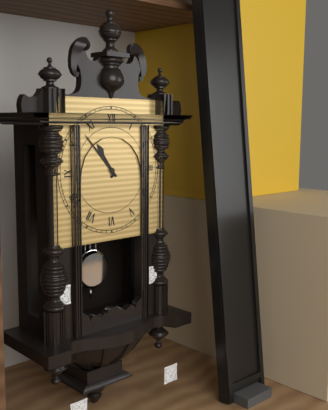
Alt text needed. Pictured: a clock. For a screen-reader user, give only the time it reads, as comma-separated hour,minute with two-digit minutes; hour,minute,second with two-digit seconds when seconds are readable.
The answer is 10,53
